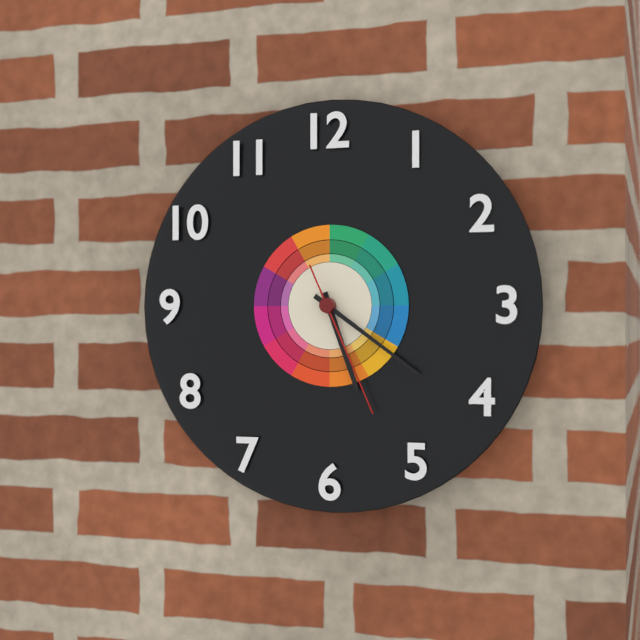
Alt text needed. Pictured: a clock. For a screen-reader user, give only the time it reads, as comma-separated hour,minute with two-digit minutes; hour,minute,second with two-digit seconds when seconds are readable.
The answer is 5,21,26
